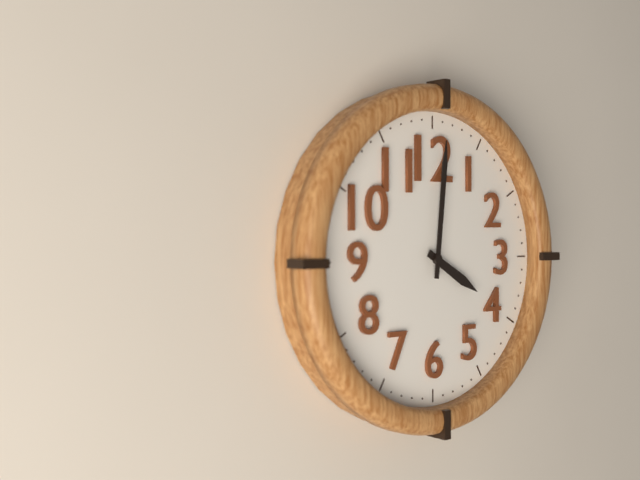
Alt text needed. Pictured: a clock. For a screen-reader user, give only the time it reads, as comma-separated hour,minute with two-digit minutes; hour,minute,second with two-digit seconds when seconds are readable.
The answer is 4,01
